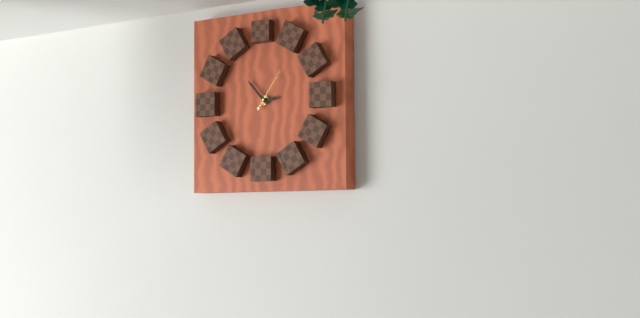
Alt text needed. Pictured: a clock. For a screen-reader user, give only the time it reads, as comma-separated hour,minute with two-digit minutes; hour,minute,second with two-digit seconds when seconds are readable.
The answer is 2,53
